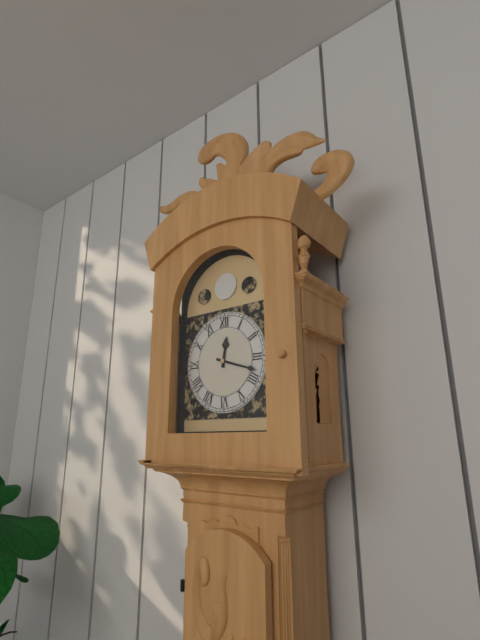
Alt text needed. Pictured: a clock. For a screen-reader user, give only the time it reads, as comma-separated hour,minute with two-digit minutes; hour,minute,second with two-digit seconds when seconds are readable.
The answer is 12,18
